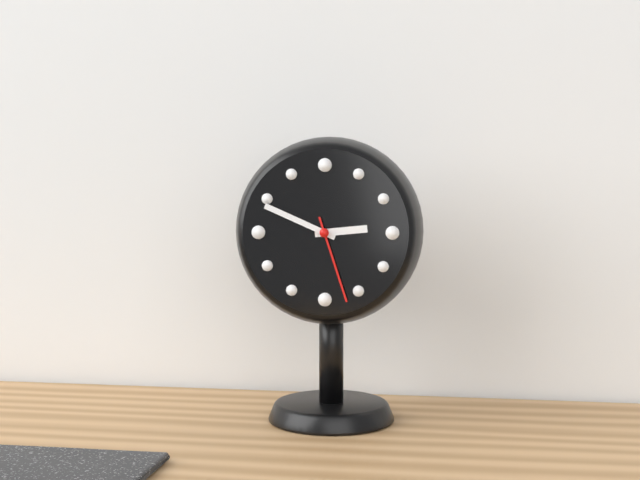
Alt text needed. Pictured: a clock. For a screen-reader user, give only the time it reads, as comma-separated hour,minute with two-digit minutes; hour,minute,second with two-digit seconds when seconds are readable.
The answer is 2,49,27
